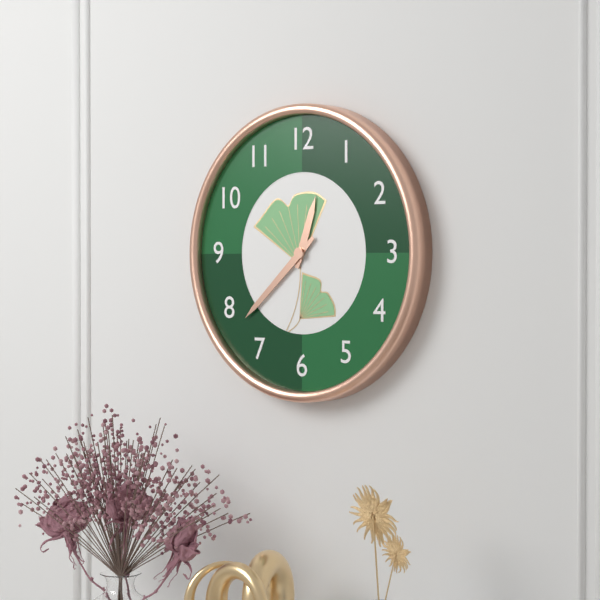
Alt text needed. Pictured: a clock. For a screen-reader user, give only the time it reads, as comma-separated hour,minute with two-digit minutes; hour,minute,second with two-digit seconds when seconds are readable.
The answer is 12,38
